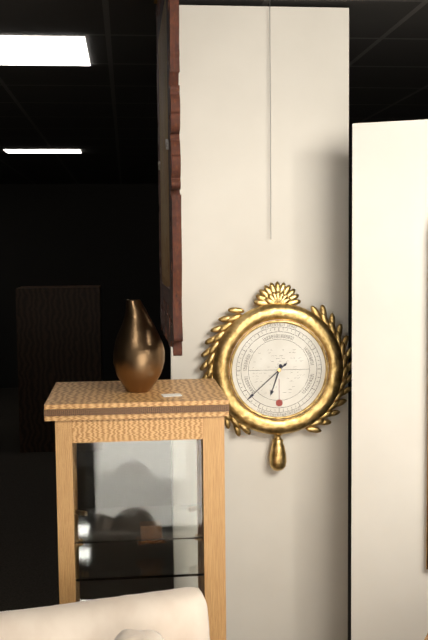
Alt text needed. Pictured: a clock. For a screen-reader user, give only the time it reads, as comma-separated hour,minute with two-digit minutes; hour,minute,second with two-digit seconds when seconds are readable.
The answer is 6,38
